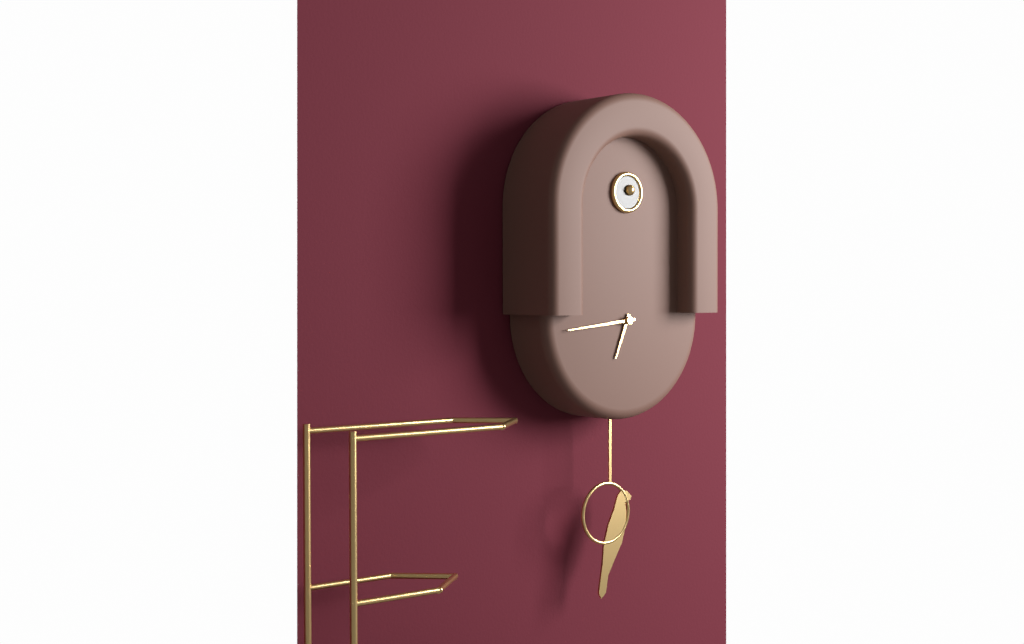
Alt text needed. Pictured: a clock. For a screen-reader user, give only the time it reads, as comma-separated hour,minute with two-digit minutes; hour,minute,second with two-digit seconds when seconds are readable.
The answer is 6,44
